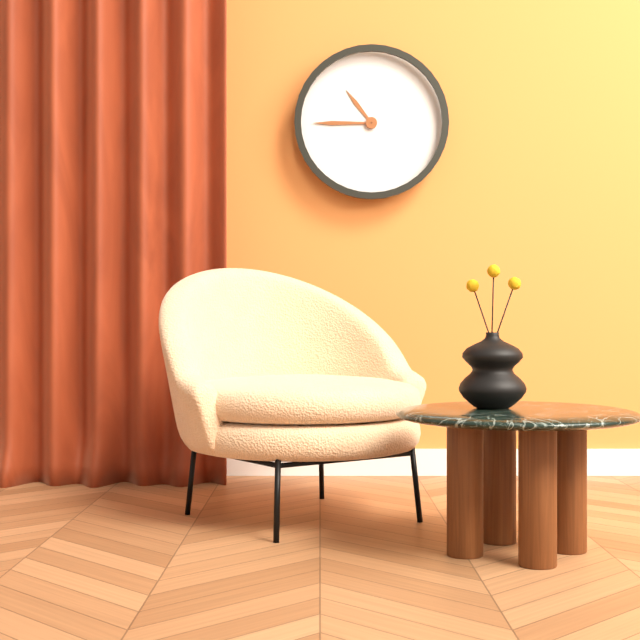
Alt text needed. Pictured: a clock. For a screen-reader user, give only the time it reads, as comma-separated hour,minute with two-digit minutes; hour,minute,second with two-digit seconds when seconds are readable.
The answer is 10,45
